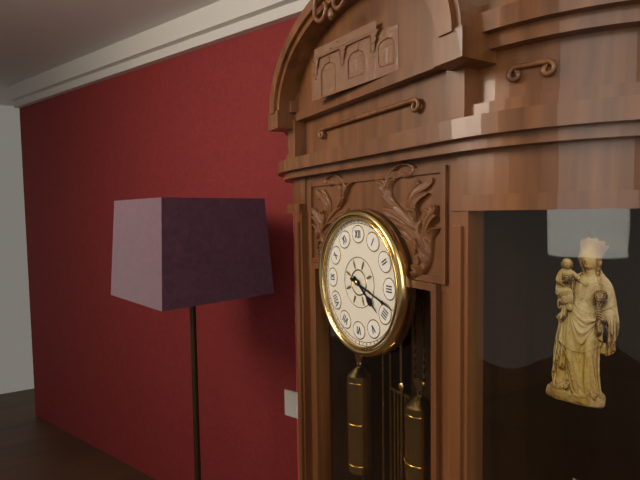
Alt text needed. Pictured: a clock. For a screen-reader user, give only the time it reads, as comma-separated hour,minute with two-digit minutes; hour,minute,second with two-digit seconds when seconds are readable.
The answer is 4,18
